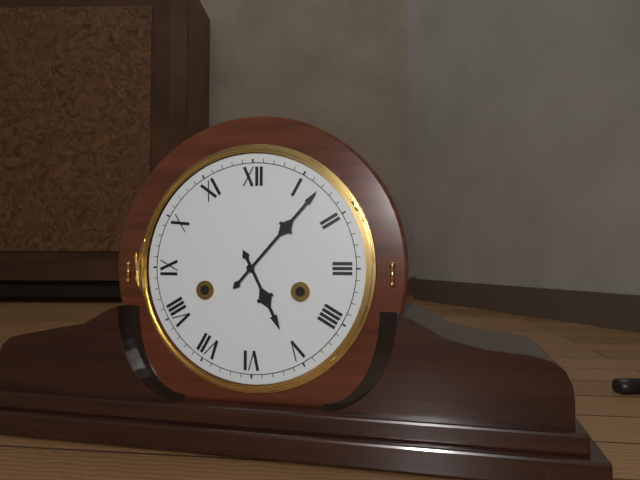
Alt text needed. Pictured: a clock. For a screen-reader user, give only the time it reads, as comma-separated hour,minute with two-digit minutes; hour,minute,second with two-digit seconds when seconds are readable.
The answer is 5,07
